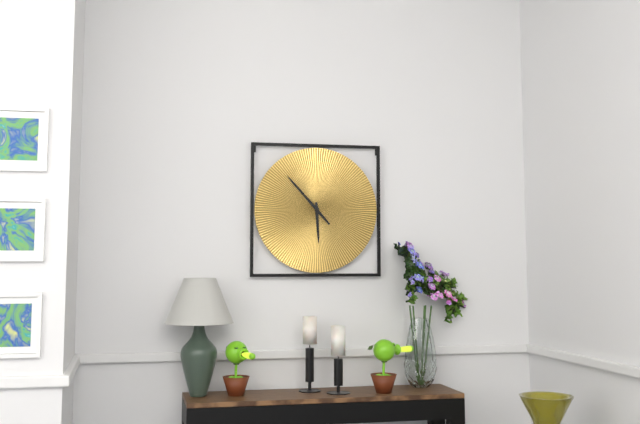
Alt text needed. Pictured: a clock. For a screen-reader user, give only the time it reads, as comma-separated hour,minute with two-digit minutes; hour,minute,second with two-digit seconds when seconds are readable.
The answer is 5,53
